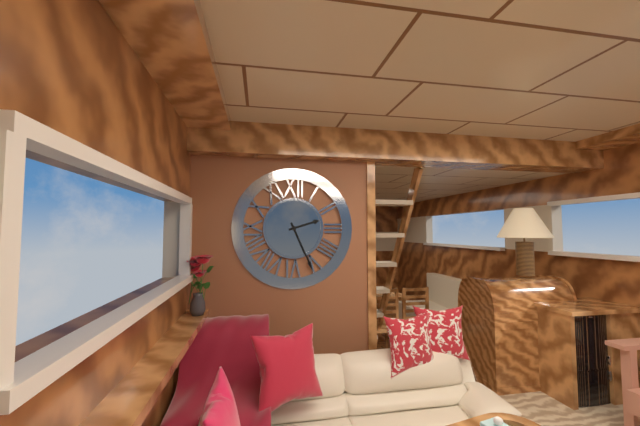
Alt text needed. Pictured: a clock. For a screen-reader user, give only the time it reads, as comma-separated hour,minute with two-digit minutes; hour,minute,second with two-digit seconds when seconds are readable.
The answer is 2,26
